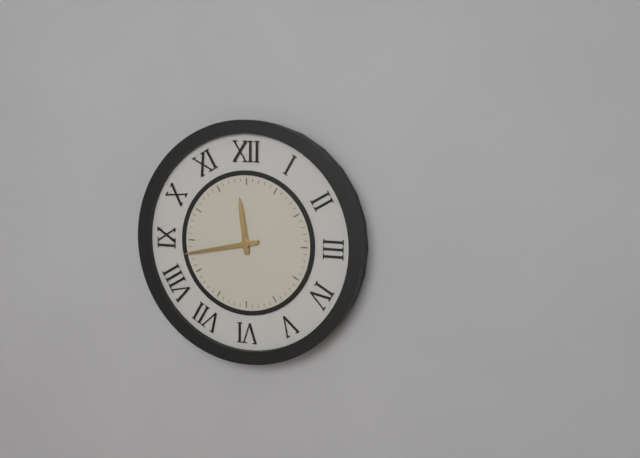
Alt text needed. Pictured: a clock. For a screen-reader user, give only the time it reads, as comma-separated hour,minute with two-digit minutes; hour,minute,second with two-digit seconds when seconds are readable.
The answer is 11,43
